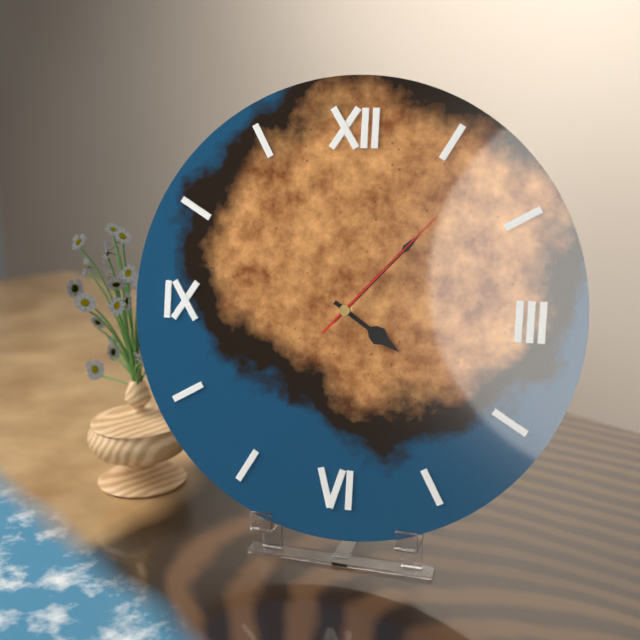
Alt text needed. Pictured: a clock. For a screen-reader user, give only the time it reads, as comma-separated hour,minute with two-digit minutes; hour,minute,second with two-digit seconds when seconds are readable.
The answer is 4,07,07
